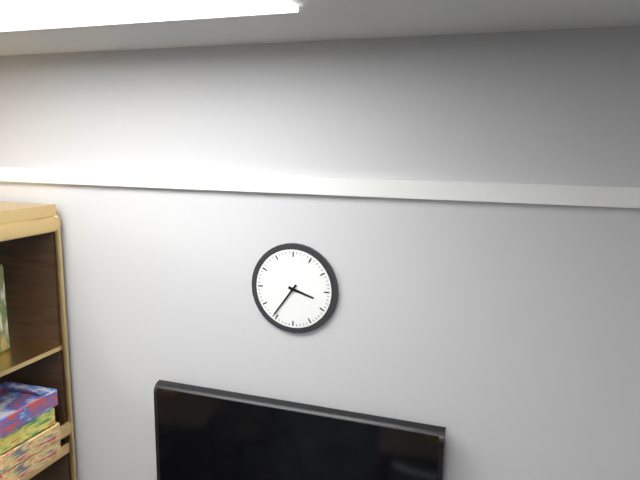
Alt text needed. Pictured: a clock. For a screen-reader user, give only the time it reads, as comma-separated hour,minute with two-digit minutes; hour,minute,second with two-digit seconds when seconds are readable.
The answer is 3,36
